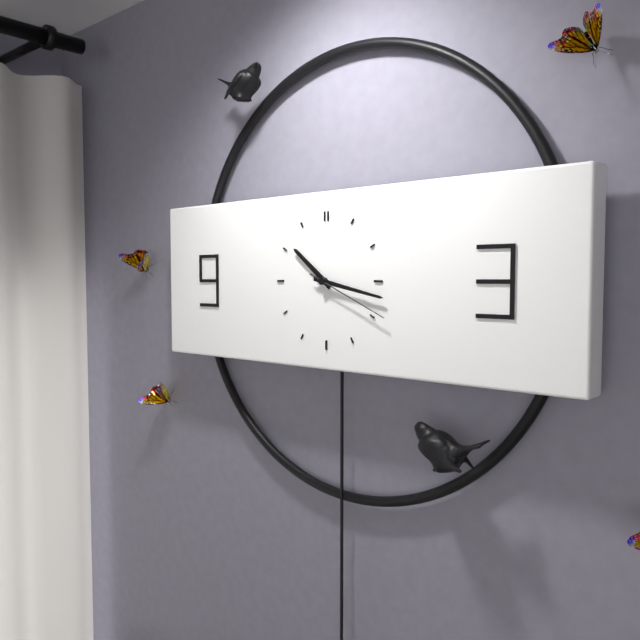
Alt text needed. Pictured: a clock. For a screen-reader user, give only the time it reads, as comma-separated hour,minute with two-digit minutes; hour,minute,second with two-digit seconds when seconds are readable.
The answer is 10,17,19
